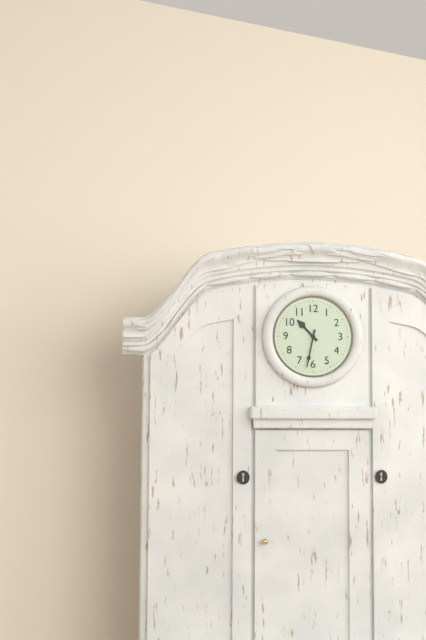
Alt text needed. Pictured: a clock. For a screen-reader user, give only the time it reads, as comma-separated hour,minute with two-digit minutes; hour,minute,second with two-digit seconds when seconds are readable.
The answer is 10,32
